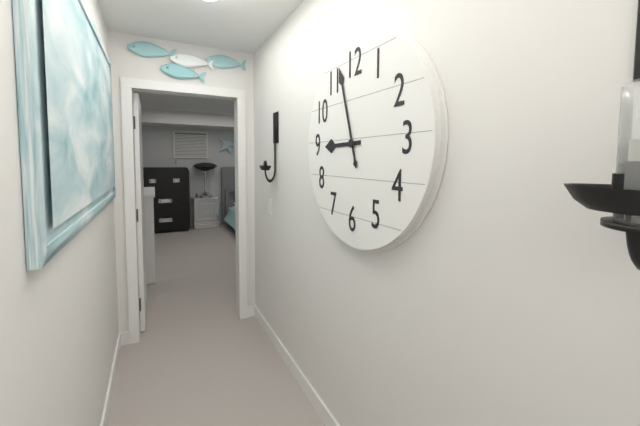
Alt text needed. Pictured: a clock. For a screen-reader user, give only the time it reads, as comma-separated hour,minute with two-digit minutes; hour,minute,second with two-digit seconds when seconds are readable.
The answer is 8,57
